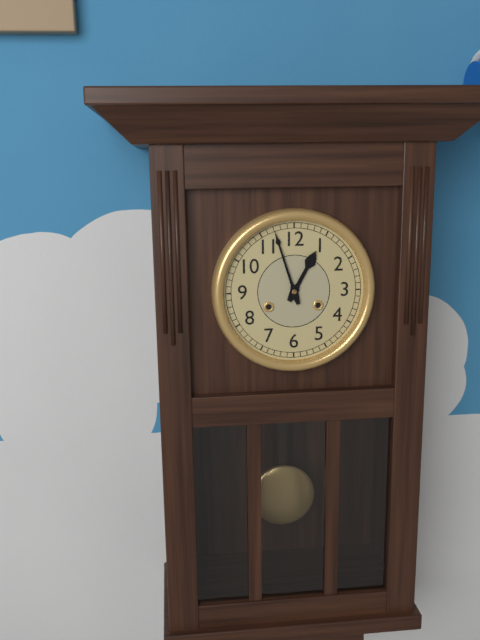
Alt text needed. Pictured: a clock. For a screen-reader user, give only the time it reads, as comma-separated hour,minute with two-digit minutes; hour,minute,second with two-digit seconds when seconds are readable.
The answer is 12,57
